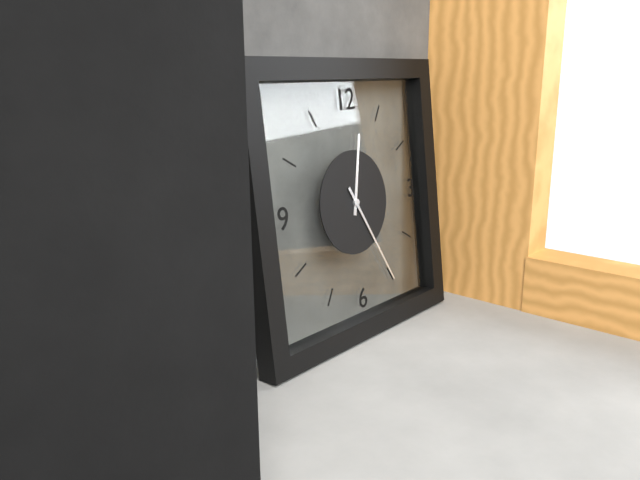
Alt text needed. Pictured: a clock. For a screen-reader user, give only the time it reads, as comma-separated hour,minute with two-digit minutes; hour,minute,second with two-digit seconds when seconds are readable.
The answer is 12,25
